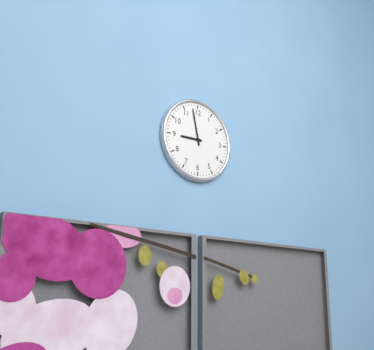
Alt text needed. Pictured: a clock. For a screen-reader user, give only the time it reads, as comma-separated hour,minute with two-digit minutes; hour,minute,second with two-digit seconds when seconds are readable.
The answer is 8,58
